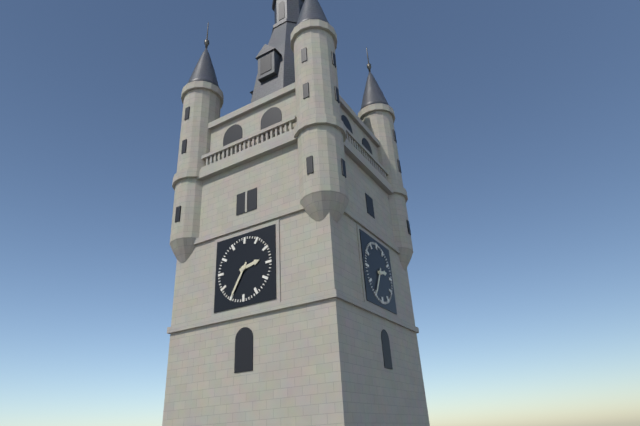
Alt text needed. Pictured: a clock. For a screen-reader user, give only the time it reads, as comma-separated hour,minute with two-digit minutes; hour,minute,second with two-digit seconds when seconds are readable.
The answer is 2,35
